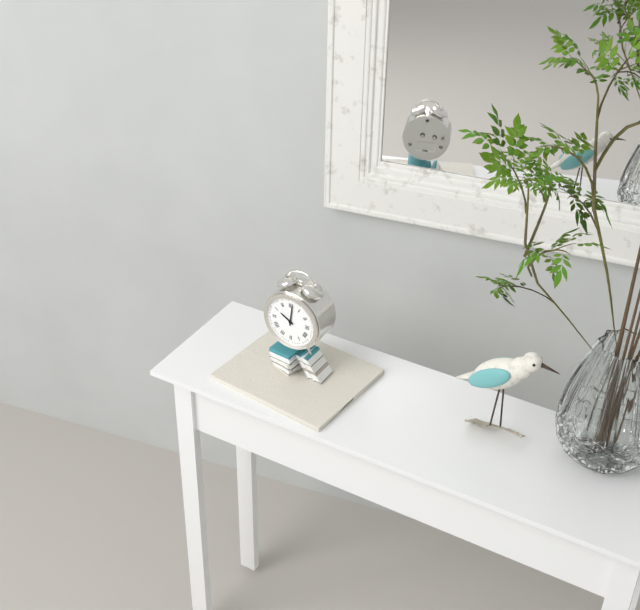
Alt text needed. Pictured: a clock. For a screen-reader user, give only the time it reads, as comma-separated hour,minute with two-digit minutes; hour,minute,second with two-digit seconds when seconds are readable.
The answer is 10,01
